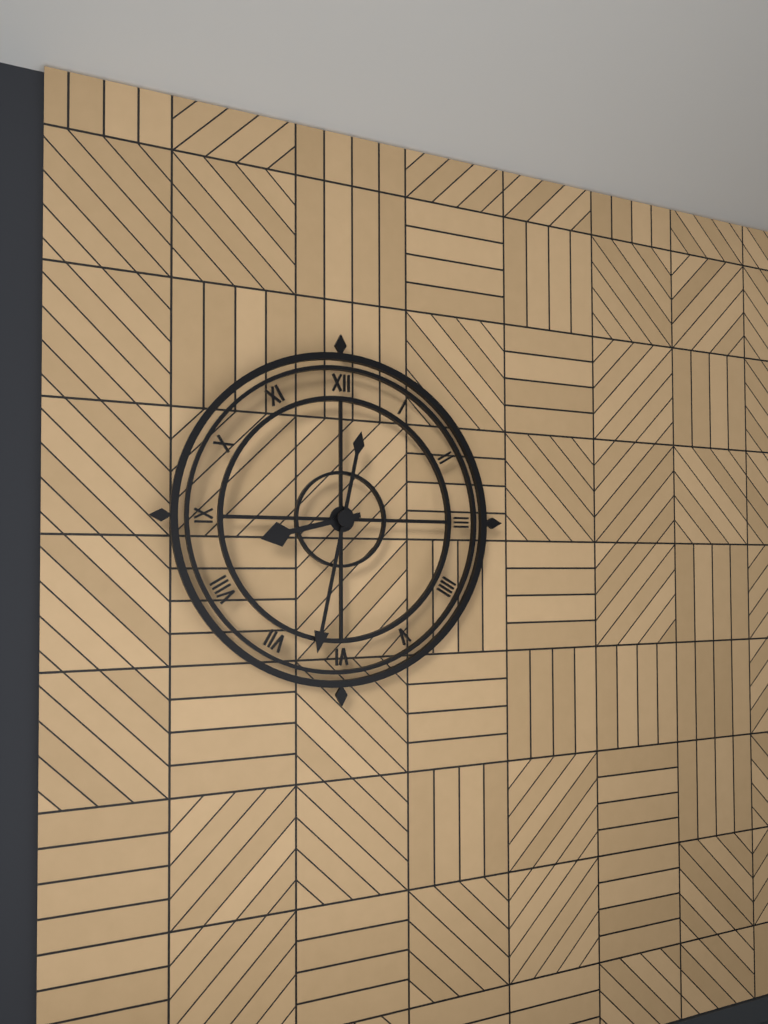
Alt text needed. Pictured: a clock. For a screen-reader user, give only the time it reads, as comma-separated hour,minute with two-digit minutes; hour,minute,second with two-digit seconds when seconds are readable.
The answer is 8,32
